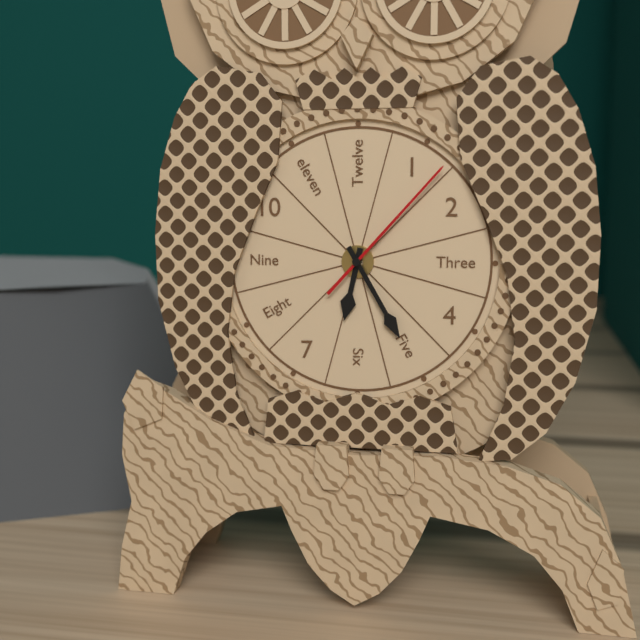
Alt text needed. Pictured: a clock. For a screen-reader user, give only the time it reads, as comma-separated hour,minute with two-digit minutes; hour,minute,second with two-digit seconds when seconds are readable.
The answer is 6,25,07
